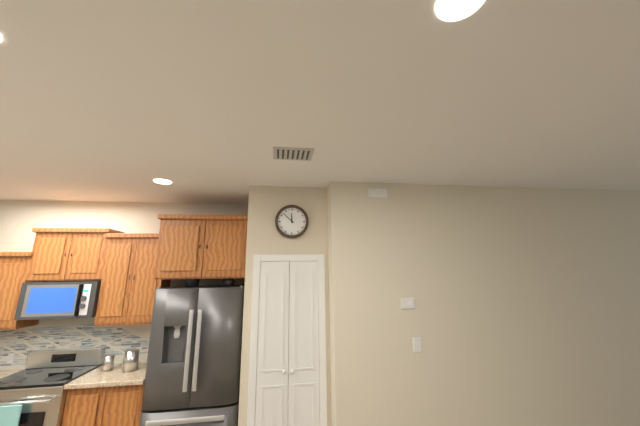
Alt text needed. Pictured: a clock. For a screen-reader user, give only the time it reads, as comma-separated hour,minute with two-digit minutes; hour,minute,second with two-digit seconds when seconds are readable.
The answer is 11,52
